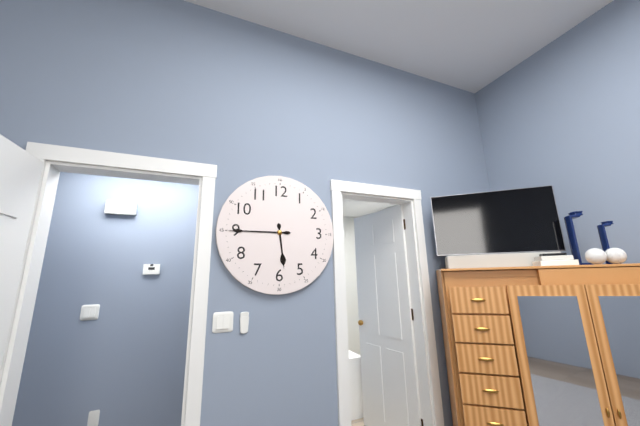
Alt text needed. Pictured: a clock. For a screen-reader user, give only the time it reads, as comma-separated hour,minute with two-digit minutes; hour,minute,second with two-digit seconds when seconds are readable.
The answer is 5,45
